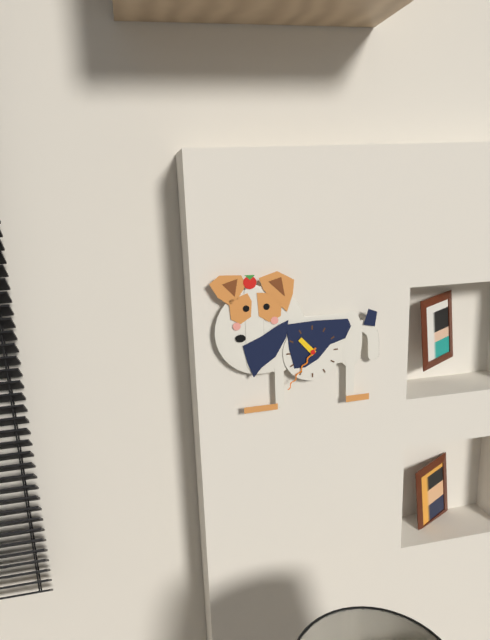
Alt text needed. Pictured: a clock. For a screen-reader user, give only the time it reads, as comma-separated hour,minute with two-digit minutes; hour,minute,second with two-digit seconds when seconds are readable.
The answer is 10,36
